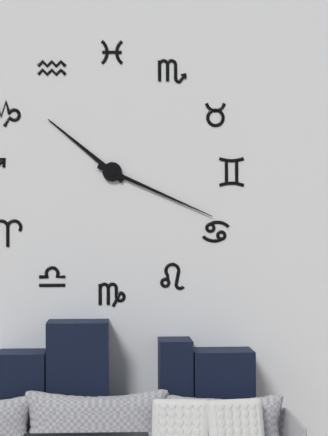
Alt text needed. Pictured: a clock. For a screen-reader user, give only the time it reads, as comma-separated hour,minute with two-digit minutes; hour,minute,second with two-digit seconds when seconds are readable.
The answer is 10,19
